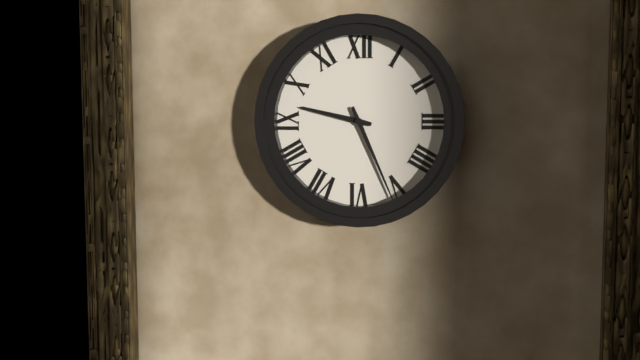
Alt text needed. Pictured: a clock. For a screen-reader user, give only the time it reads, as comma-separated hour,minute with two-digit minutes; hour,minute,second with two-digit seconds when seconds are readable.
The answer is 9,26
